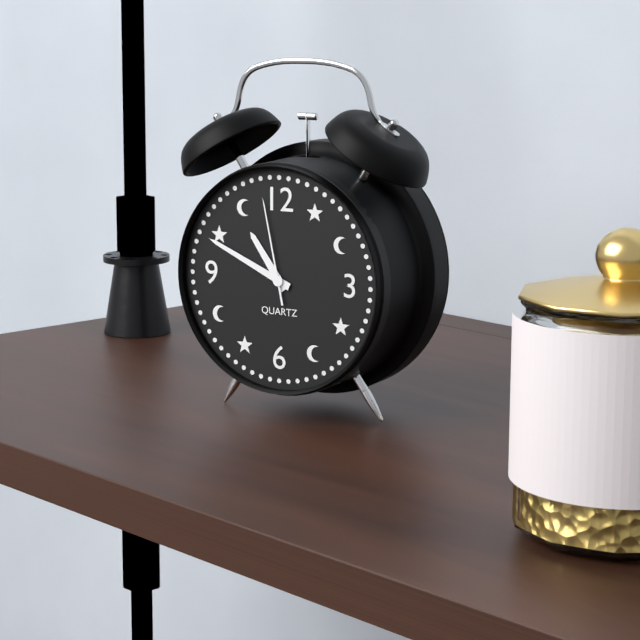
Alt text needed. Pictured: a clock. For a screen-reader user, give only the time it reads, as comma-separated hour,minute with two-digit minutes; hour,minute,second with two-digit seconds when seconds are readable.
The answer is 10,49,58
